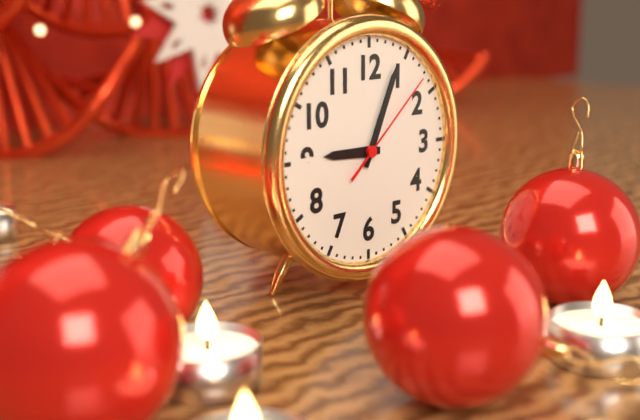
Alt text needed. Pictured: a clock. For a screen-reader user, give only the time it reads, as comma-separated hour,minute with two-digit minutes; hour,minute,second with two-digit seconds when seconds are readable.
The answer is 9,04,08
